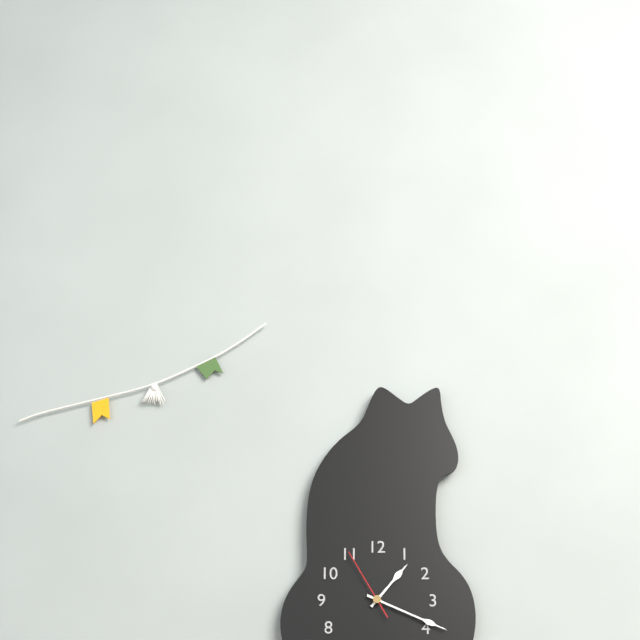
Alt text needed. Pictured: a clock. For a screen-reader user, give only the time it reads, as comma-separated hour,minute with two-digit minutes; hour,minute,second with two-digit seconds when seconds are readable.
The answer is 1,19,55
